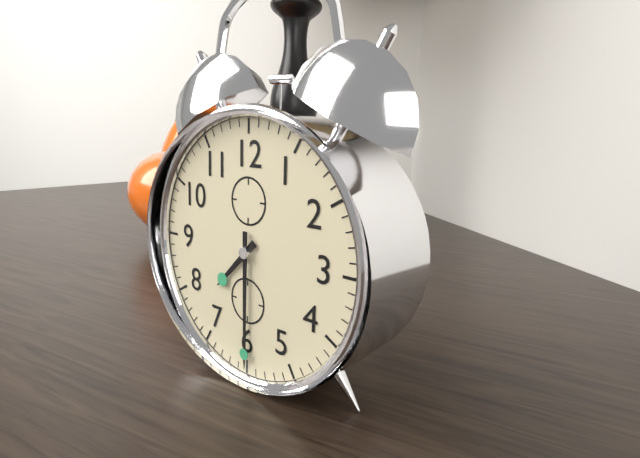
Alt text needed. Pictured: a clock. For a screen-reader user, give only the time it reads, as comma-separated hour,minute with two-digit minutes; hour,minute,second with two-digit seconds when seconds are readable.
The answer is 7,30
